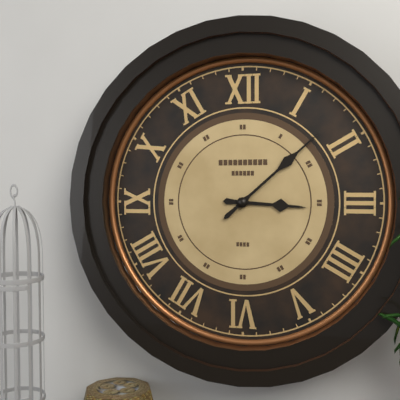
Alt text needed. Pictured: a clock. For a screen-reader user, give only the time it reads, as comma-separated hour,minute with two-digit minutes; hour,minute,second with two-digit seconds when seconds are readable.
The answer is 3,08
